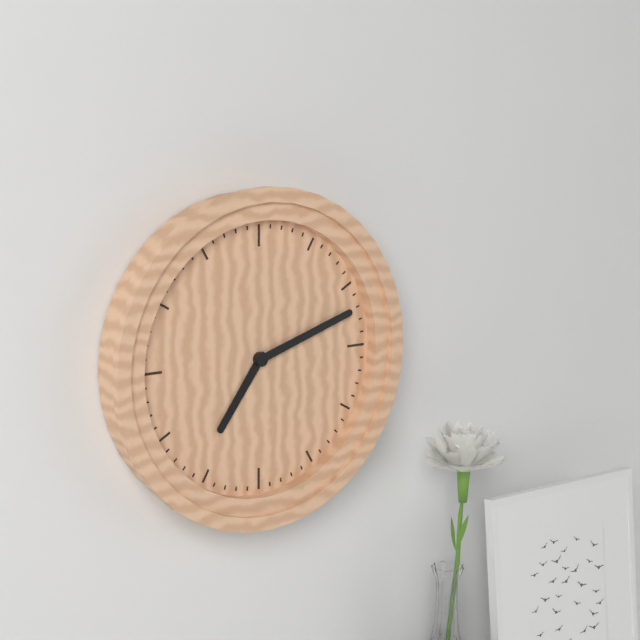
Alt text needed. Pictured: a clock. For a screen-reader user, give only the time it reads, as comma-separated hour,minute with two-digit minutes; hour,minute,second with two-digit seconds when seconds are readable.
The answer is 7,12
